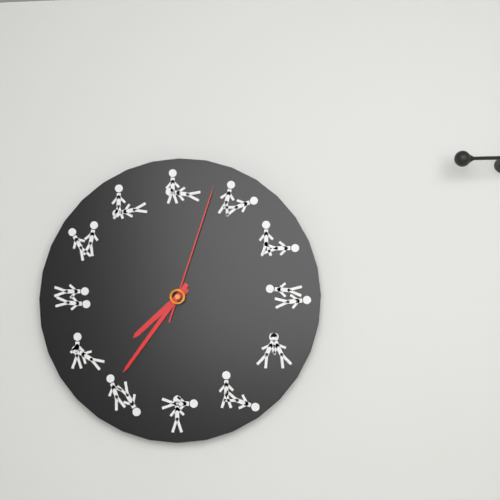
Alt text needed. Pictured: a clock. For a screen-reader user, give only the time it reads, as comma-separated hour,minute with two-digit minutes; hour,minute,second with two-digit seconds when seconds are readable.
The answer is 7,36,03
